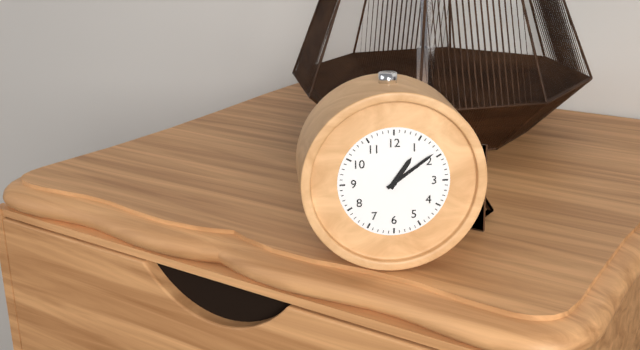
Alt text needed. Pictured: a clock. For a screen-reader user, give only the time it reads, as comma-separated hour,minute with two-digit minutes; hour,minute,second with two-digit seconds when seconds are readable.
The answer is 1,09
